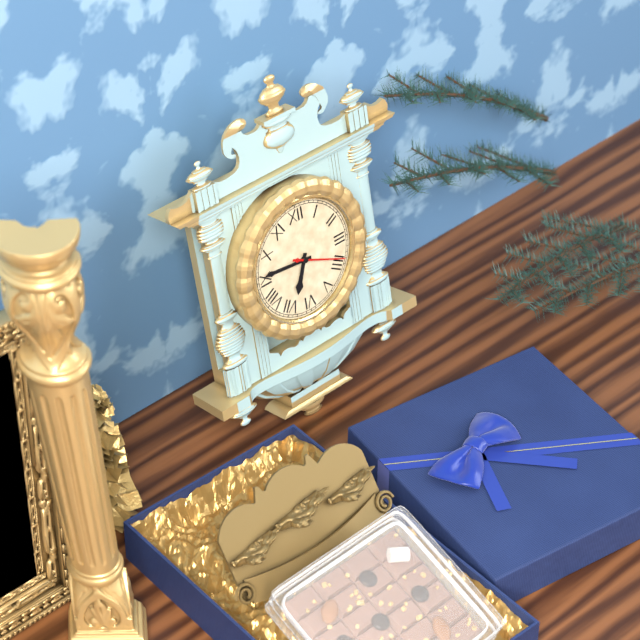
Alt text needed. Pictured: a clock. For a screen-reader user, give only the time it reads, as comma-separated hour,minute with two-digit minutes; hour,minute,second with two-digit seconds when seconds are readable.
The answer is 6,46,19
